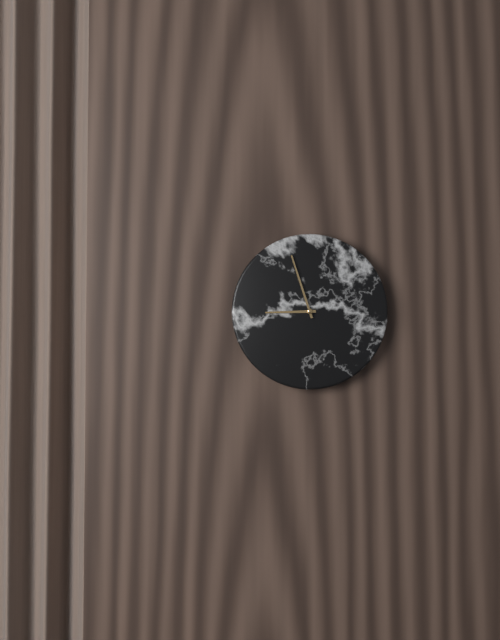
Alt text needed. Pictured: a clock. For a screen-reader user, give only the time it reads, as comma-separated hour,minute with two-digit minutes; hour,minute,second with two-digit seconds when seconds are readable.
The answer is 8,57
